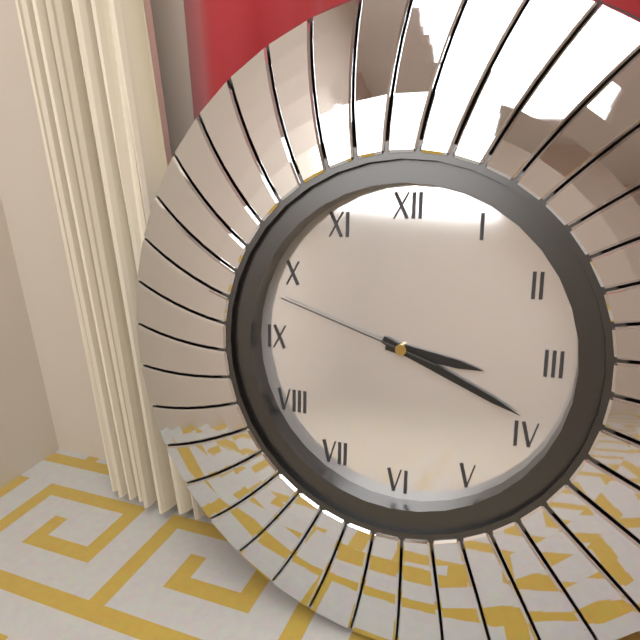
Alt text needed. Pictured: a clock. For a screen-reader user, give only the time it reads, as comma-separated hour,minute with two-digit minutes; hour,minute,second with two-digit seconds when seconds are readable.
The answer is 3,19,48
